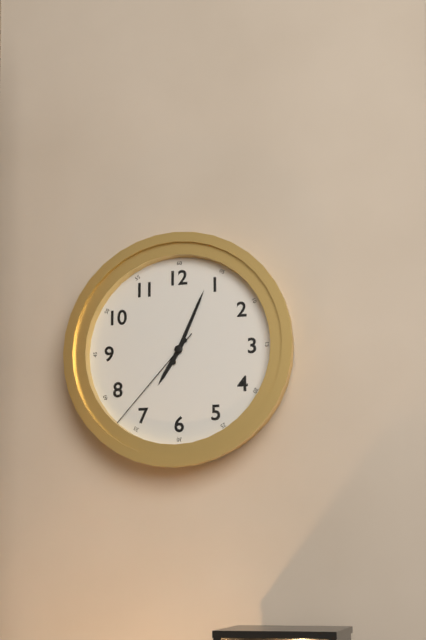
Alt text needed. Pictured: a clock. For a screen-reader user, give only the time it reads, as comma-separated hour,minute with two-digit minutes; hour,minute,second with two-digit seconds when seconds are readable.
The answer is 7,04,37
